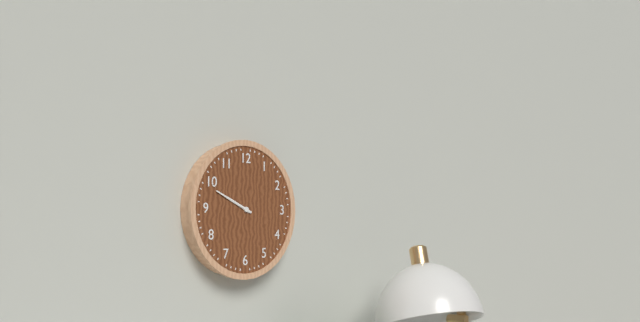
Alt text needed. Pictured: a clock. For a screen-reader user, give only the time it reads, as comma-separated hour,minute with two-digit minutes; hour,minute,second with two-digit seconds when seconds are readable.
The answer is 9,49
